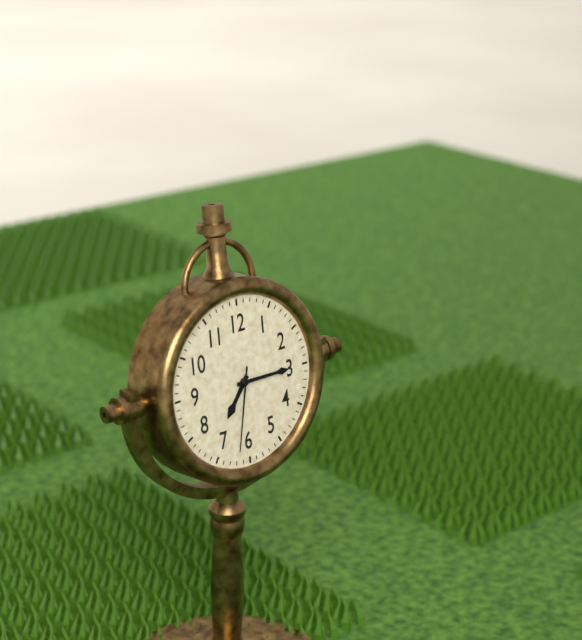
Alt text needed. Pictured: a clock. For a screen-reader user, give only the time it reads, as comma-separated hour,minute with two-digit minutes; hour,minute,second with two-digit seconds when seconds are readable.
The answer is 7,15,32
